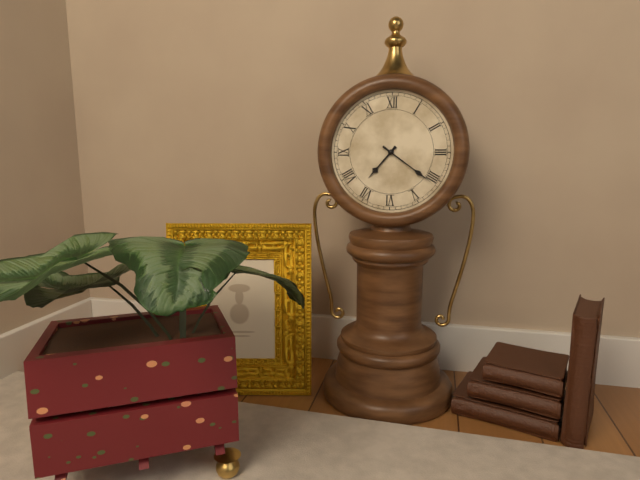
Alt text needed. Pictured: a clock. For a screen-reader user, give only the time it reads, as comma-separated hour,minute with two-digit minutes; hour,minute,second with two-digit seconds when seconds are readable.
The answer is 7,21
